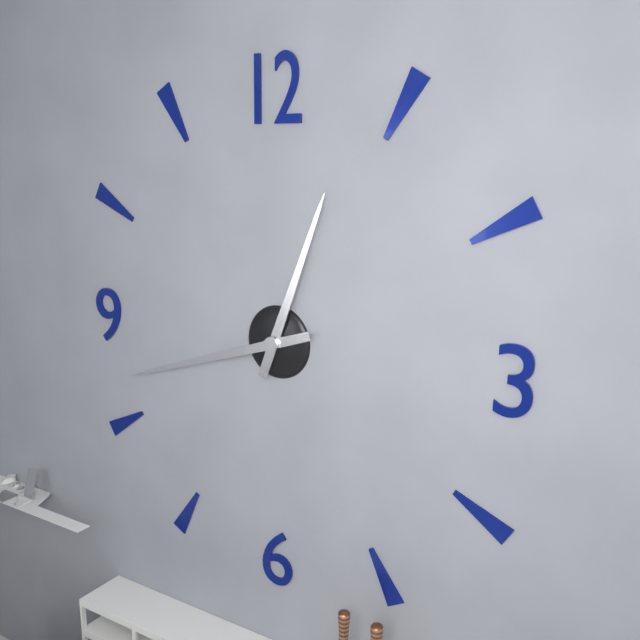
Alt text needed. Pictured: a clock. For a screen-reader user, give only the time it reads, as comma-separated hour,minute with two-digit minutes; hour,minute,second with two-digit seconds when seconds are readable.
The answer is 12,42
